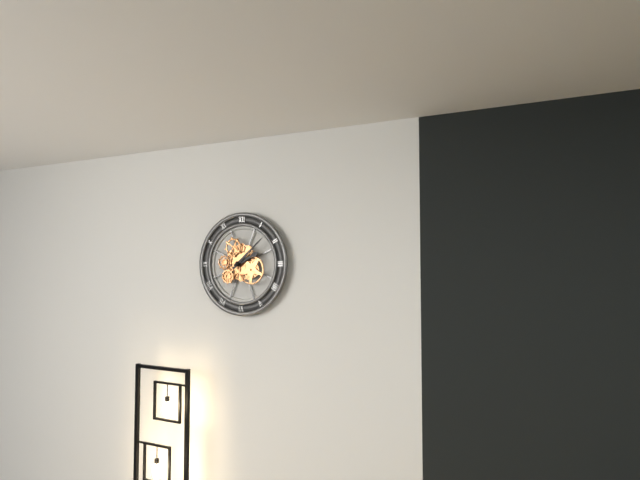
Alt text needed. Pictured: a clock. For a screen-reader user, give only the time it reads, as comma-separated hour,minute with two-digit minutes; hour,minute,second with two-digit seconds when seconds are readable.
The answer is 2,08
